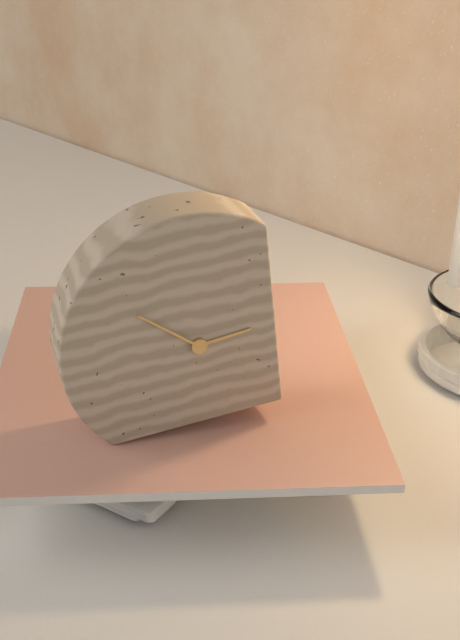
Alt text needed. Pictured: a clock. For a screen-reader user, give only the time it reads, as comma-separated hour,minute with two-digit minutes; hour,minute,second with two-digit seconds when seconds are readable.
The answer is 2,52
